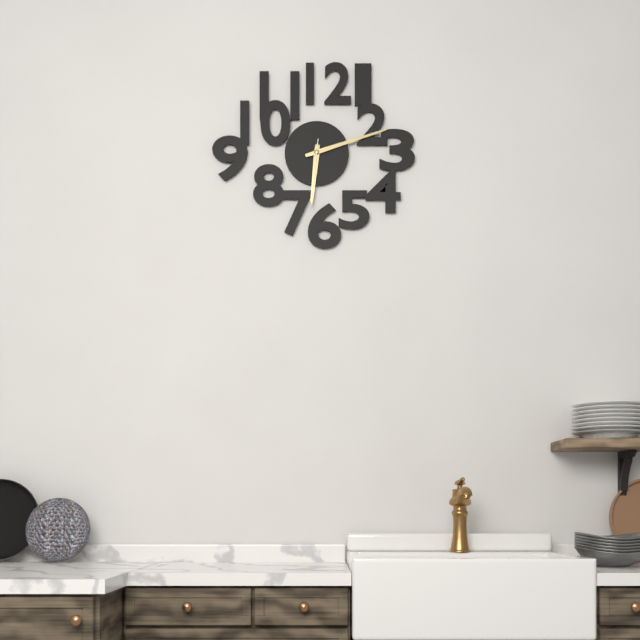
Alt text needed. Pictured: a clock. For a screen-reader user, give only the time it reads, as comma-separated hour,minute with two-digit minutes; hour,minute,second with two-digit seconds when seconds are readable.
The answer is 6,12,31
